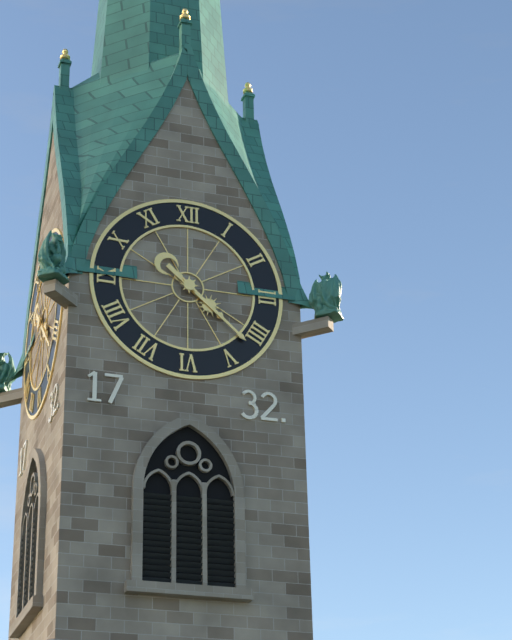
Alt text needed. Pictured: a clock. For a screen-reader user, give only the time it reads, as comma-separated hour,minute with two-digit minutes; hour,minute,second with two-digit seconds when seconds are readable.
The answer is 4,22
